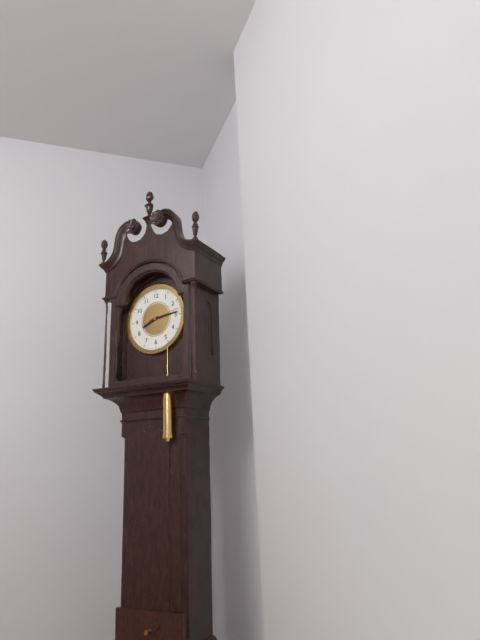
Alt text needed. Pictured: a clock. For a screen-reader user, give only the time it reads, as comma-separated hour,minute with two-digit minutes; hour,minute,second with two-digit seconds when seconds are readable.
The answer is 8,14
